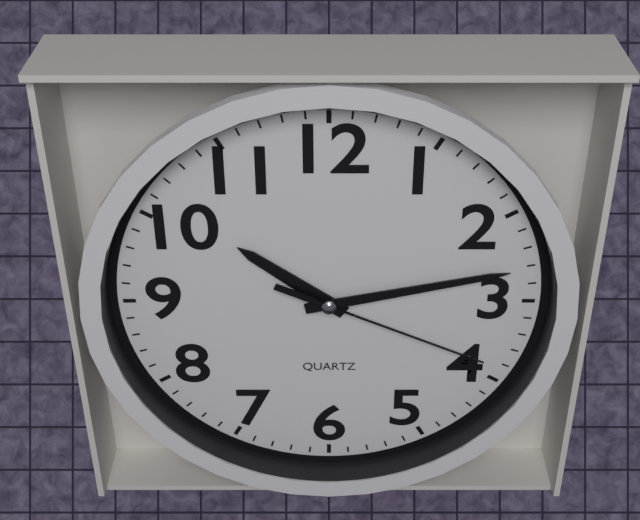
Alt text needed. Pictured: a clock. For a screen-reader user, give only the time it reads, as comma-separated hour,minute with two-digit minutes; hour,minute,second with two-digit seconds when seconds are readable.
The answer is 10,13,19
